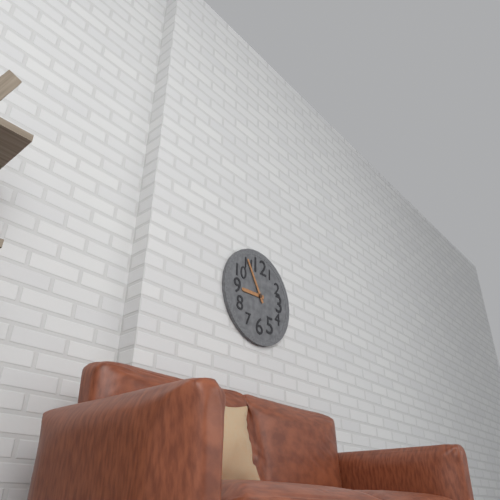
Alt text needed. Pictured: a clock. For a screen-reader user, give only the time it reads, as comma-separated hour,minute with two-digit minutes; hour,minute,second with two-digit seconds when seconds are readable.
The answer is 8,55
